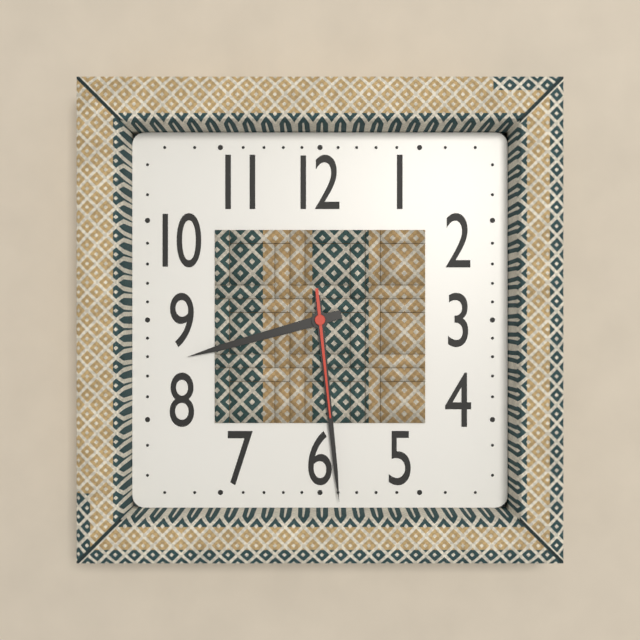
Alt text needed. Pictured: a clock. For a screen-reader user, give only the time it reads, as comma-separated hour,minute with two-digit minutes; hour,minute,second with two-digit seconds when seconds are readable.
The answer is 8,29,29
